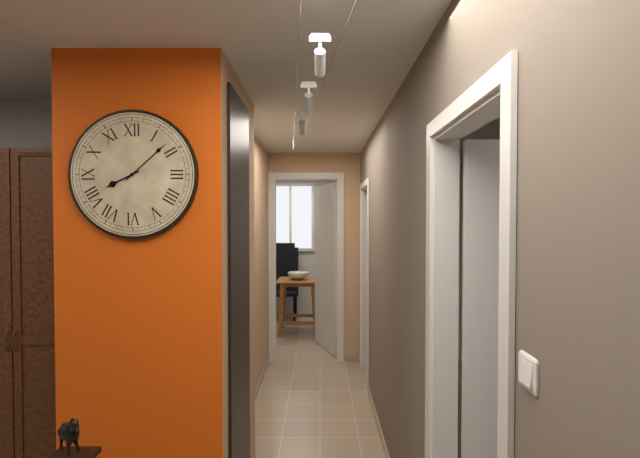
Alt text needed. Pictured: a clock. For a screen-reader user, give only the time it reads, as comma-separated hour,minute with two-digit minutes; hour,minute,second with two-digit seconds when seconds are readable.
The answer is 8,08
